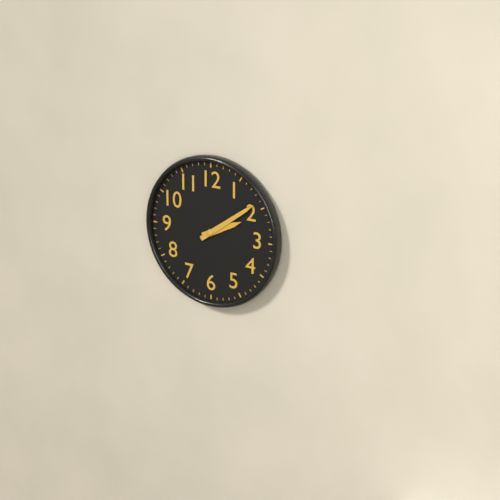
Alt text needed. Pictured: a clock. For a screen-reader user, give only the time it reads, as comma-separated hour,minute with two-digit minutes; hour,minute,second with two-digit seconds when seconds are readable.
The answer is 2,09
